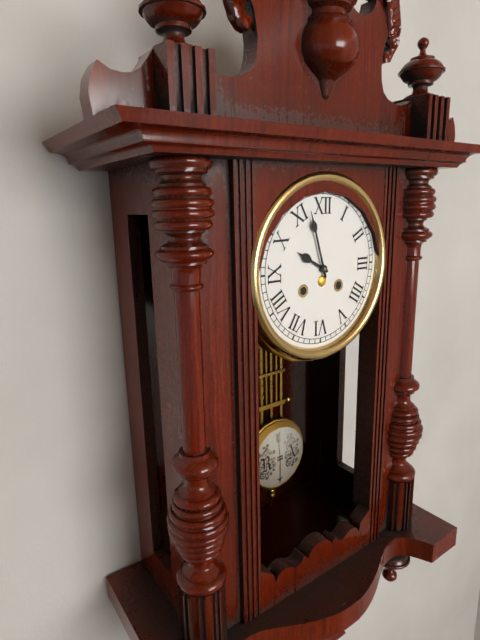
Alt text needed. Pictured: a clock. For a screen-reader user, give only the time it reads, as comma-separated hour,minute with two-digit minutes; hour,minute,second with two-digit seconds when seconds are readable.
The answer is 9,57
